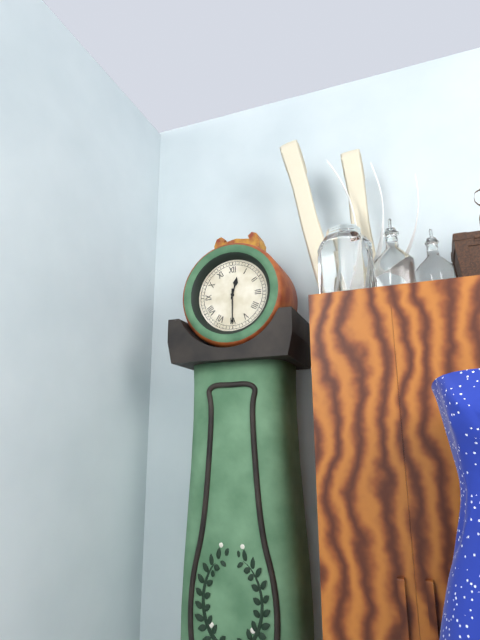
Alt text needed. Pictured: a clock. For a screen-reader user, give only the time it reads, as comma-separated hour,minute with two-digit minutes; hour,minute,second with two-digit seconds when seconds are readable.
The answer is 12,30
